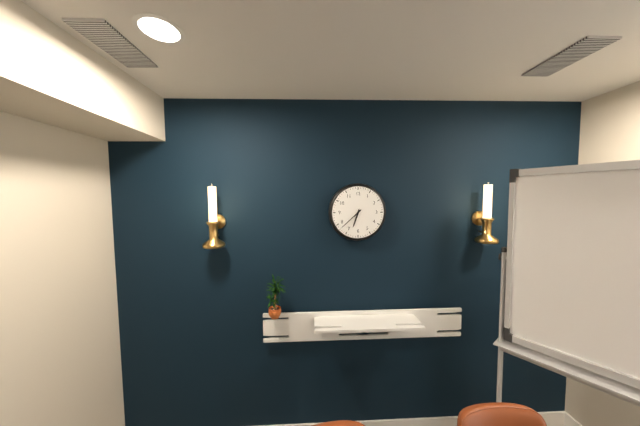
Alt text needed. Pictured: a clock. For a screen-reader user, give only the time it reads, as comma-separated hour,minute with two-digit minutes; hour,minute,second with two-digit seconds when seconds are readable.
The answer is 6,38
